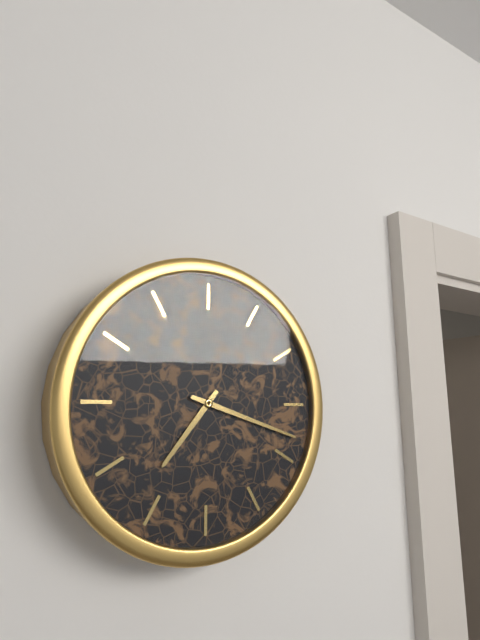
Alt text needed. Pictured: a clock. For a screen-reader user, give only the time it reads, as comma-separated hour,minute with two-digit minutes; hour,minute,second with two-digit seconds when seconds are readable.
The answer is 7,18
